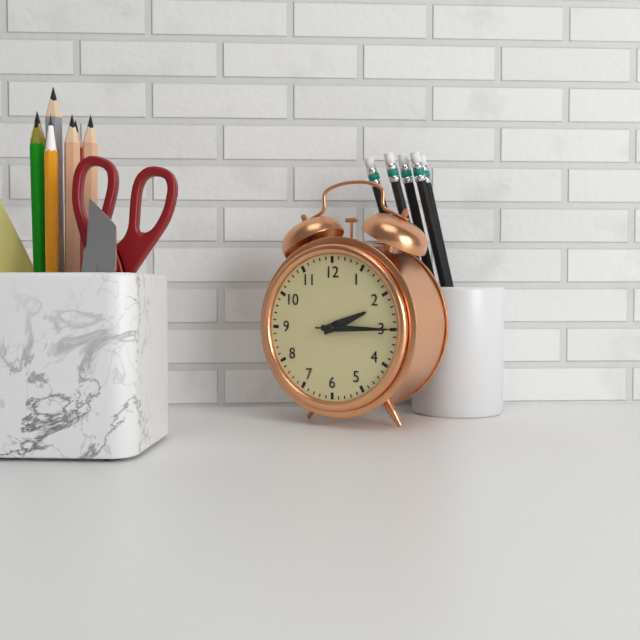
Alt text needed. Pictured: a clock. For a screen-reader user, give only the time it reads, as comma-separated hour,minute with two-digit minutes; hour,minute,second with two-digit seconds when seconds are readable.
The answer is 2,15,15
